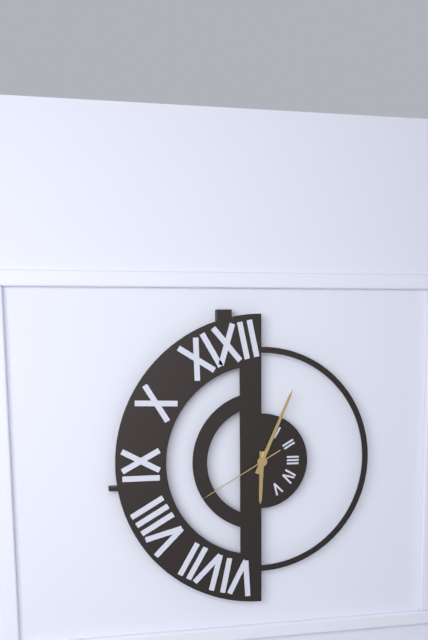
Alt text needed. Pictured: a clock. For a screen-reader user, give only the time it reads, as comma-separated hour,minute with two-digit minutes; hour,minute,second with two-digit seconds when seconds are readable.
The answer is 6,04,40
